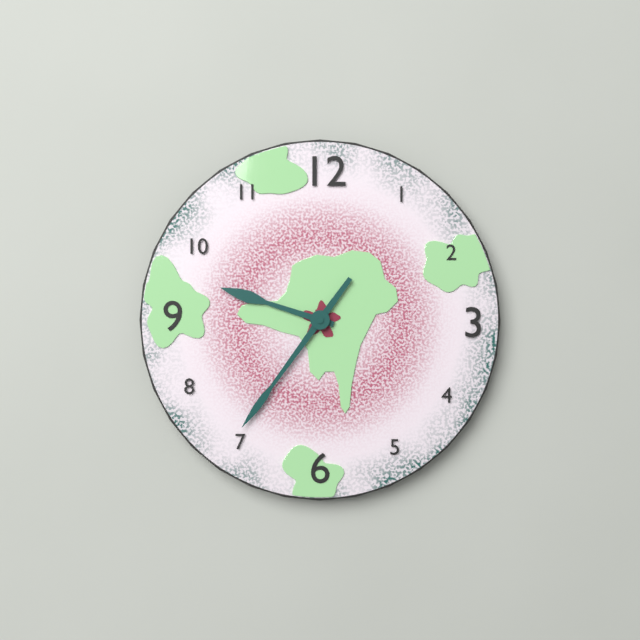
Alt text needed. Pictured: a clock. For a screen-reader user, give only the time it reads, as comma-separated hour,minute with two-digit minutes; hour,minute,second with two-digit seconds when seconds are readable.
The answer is 9,36
